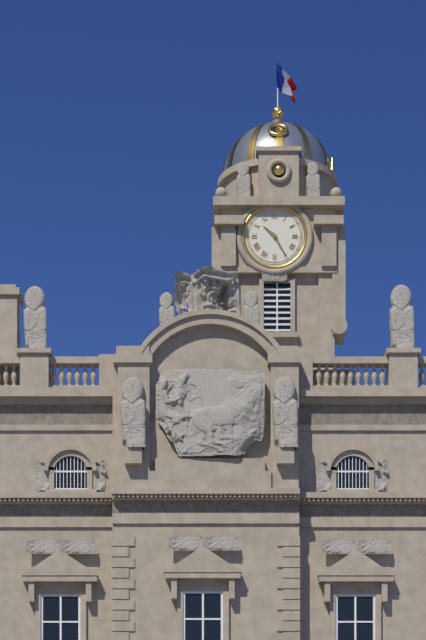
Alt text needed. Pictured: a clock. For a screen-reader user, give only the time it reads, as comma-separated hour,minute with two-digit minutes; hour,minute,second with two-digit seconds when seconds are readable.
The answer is 10,25
